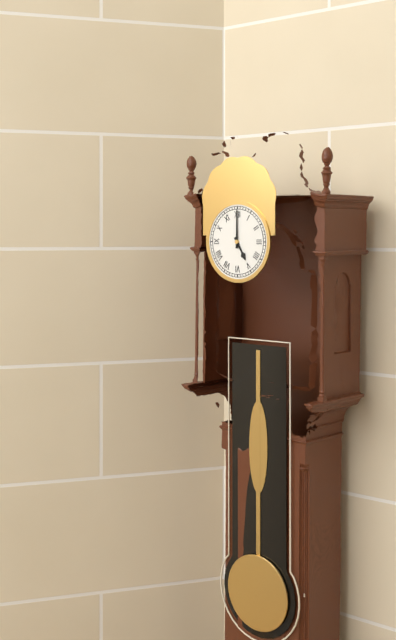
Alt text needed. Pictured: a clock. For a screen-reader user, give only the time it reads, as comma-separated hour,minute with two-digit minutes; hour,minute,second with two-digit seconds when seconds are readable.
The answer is 5,00
